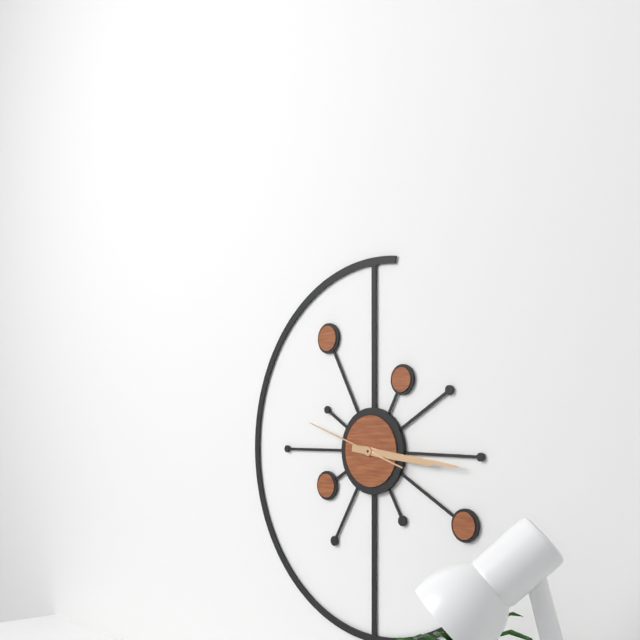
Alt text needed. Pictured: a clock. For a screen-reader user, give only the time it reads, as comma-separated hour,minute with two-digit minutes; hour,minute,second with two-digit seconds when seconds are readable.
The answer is 3,16,48
